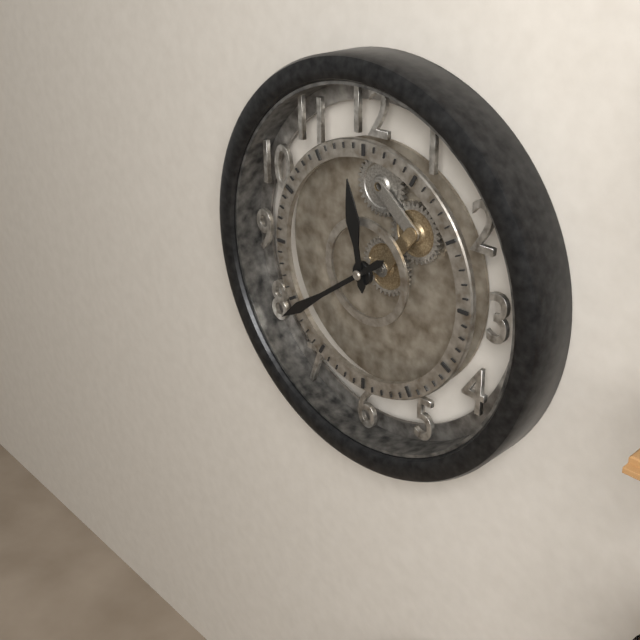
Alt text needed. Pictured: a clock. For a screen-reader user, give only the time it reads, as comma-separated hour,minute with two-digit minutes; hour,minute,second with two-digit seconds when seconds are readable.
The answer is 11,39
